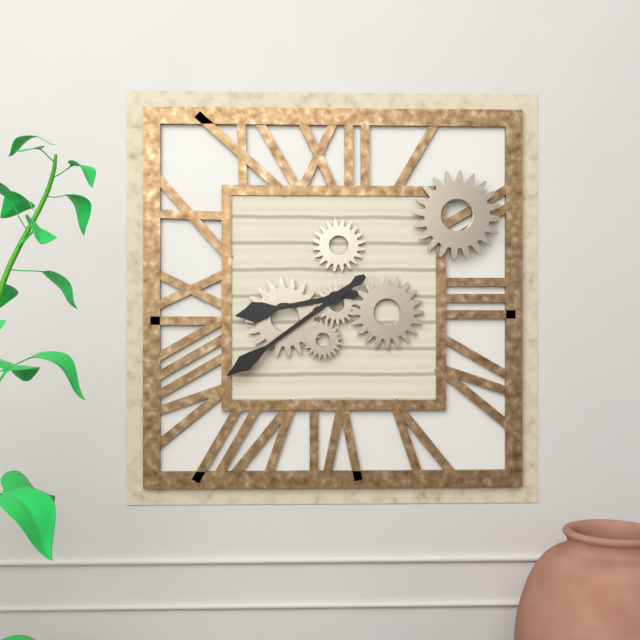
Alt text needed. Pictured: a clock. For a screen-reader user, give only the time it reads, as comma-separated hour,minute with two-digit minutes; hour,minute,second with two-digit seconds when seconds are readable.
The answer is 8,39
